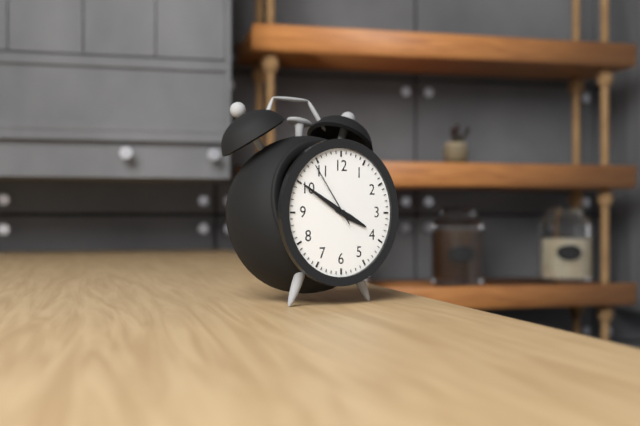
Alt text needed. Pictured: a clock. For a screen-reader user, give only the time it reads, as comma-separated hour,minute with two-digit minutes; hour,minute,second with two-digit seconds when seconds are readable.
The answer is 3,50,54
